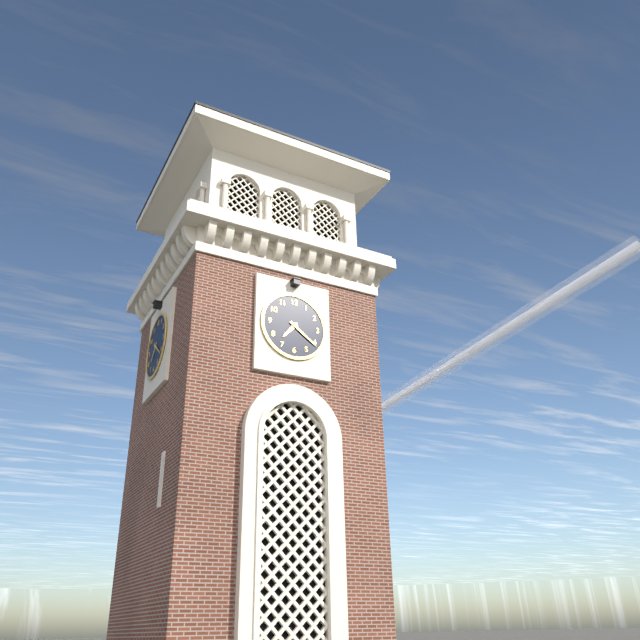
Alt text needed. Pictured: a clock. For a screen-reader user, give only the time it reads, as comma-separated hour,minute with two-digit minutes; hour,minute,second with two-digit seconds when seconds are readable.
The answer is 7,21
